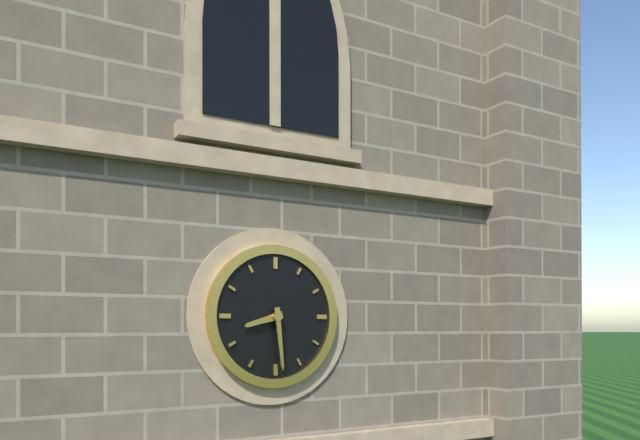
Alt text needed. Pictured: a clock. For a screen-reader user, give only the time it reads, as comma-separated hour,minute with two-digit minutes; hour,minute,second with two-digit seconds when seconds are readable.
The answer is 8,29
